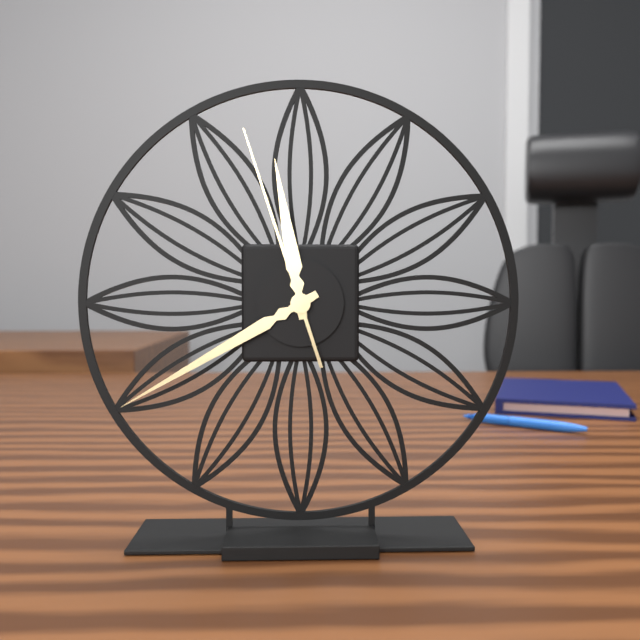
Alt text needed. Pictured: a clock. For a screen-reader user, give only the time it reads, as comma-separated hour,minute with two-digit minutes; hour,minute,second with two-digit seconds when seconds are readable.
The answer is 11,40,57
